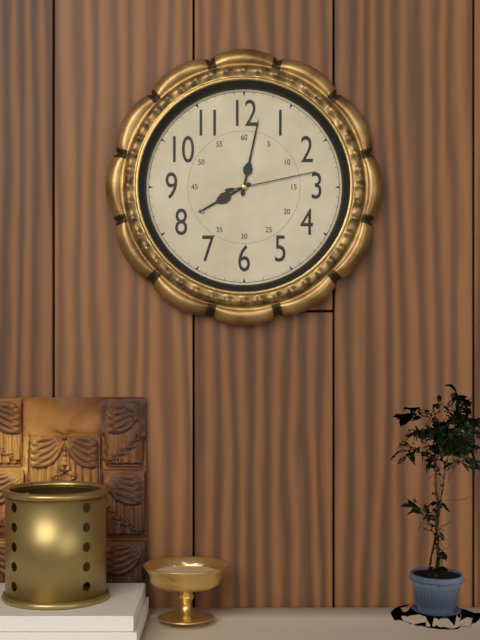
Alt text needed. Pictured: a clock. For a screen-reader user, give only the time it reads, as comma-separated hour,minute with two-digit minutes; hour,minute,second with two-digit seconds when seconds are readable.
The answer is 8,02,13
